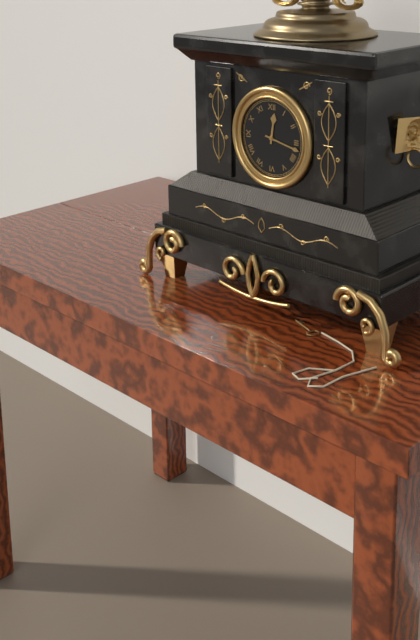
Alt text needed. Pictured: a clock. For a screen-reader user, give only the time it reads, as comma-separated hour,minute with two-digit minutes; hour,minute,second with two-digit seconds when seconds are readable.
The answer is 12,17
